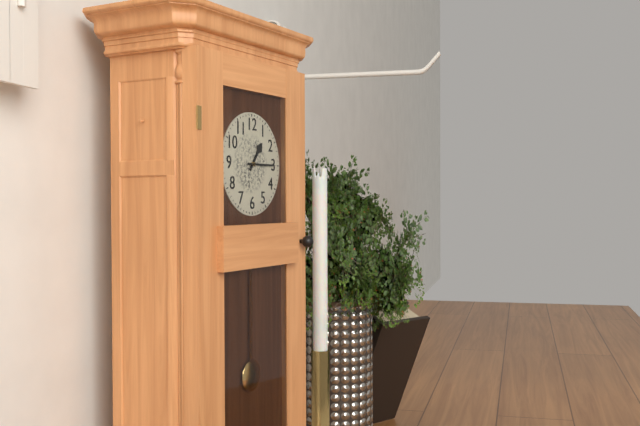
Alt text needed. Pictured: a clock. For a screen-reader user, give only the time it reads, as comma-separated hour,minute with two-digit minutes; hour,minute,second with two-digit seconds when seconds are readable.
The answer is 1,15
